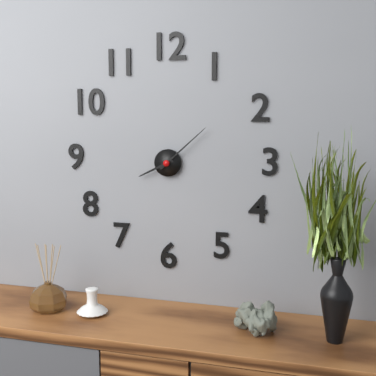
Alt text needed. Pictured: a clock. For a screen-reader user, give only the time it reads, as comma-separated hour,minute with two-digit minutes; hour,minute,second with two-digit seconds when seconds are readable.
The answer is 8,08
